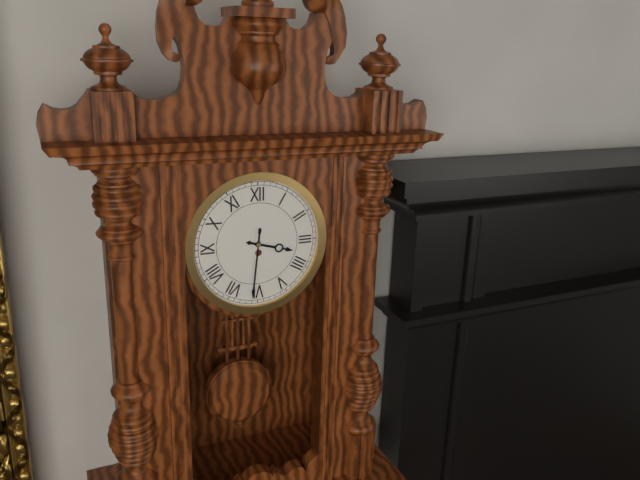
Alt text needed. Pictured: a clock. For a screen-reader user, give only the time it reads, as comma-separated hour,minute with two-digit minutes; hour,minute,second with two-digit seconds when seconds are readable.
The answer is 3,31
